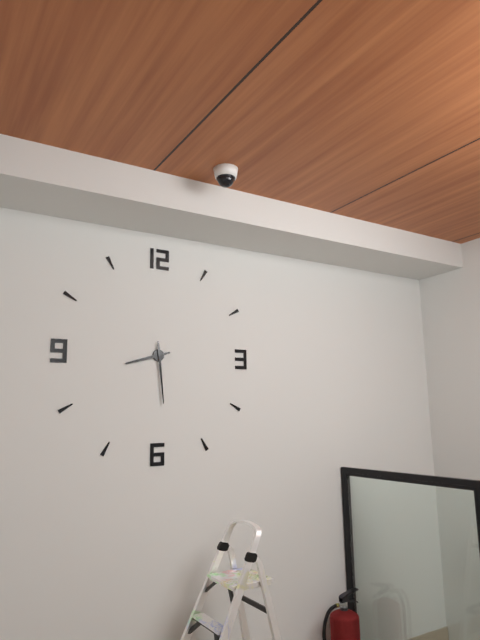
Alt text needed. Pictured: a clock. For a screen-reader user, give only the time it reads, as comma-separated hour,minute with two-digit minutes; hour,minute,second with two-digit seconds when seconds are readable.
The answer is 8,29
